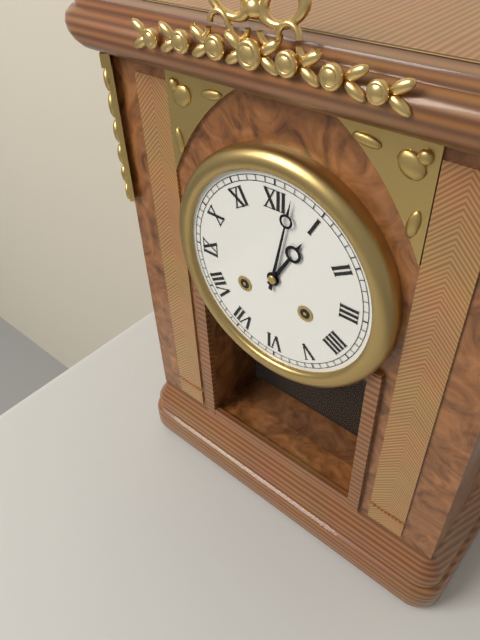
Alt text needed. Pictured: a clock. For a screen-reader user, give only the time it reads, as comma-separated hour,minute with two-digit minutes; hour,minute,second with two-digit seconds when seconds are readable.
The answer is 1,02
